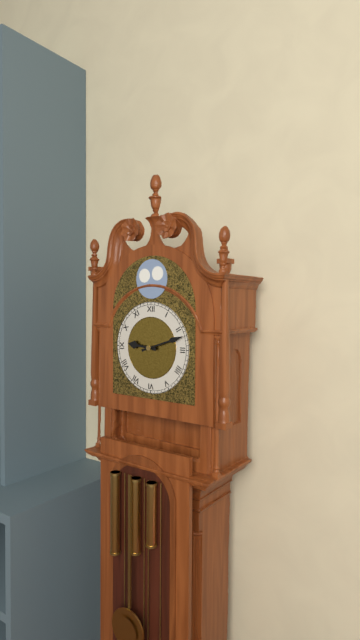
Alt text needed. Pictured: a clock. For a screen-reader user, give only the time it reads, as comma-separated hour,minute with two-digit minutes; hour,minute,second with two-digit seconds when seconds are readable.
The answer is 9,12
